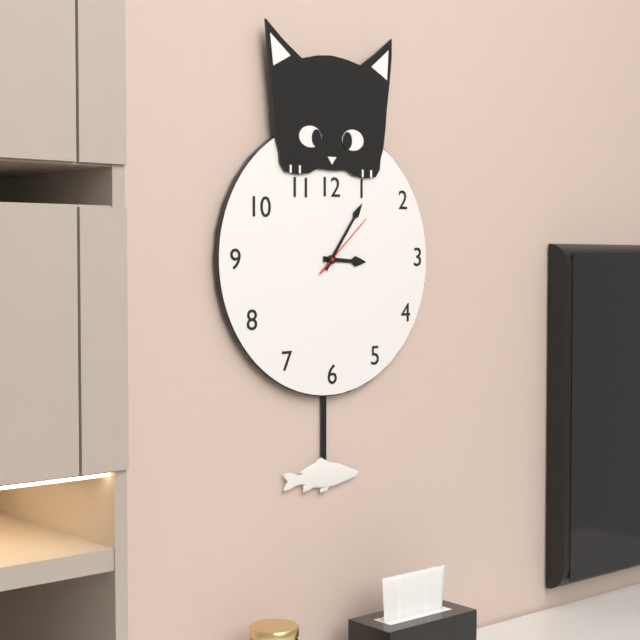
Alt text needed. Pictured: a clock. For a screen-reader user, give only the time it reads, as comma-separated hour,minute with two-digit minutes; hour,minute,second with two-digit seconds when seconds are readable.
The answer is 3,06,08
